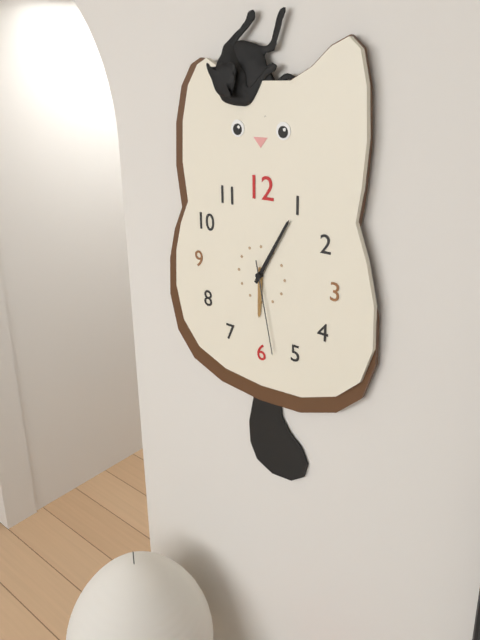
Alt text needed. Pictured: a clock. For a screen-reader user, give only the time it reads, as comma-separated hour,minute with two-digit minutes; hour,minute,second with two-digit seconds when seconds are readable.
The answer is 6,05,28
